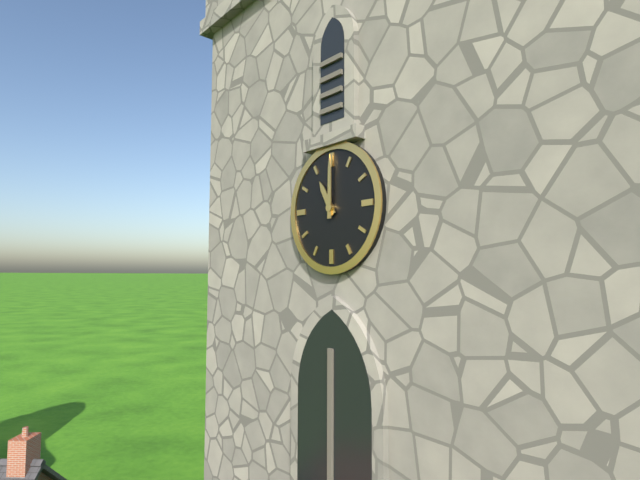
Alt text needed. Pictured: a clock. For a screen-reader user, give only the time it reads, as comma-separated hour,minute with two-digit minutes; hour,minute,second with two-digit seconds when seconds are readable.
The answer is 11,00
